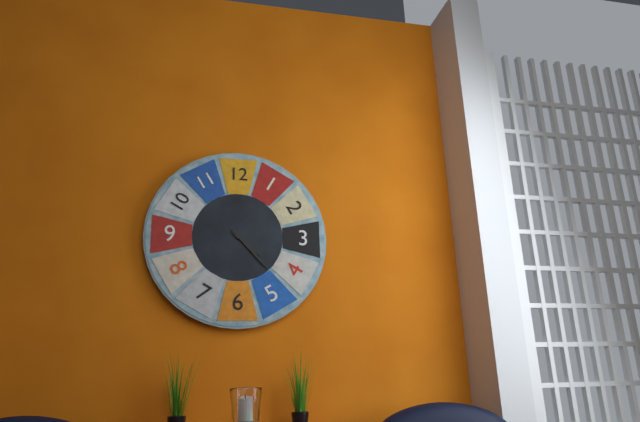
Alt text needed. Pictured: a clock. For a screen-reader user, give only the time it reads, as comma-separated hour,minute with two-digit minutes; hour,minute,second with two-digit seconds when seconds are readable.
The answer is 4,23
